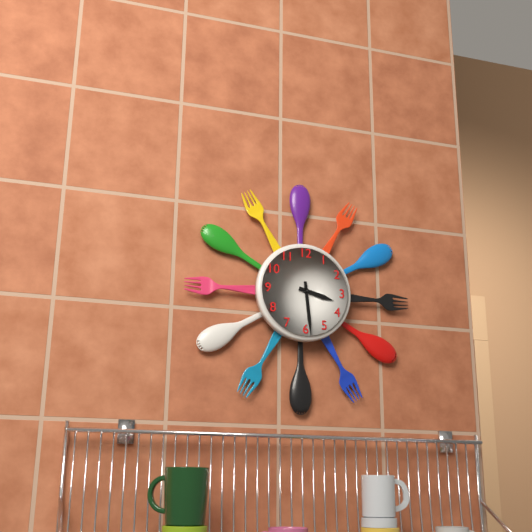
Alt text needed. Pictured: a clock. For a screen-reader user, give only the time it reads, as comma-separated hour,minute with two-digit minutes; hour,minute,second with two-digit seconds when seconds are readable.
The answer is 3,29
